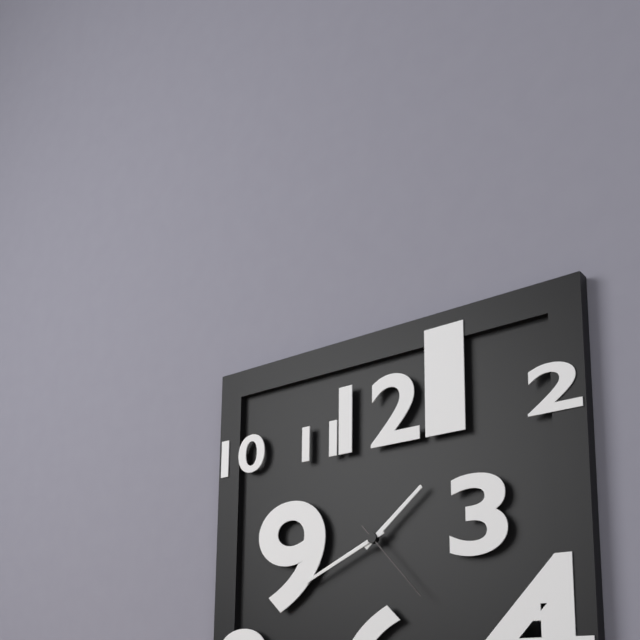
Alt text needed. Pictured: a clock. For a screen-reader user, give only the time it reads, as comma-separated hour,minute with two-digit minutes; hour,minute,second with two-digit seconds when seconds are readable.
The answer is 1,41,23
